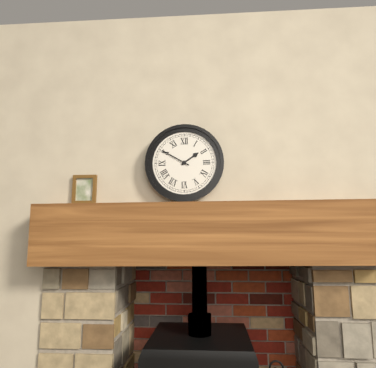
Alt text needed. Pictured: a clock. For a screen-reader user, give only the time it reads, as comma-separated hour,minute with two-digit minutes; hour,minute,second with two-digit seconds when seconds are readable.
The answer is 1,50
